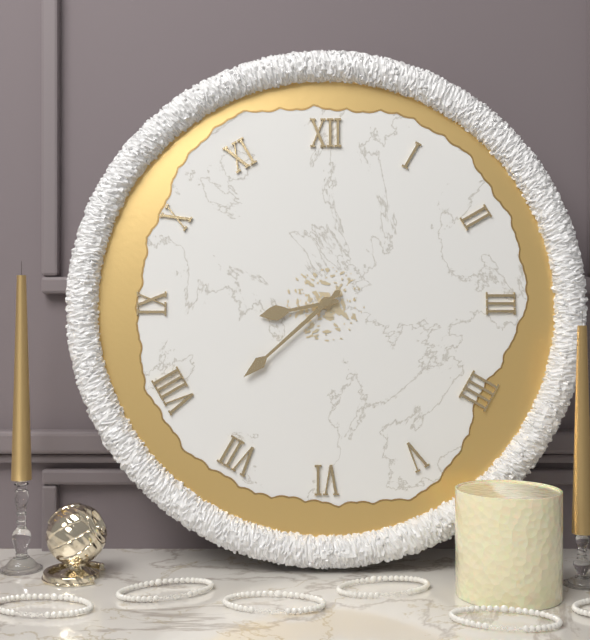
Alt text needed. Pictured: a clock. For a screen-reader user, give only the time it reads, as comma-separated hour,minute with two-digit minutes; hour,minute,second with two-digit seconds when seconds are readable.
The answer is 8,38
